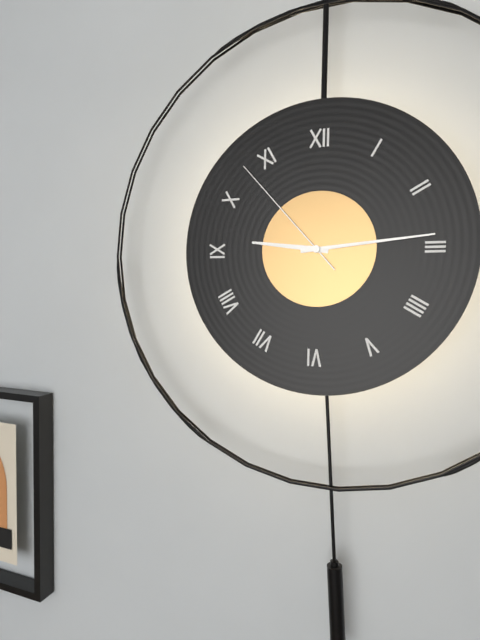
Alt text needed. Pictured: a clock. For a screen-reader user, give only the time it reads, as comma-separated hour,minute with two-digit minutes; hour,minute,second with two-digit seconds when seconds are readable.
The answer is 9,14,53
